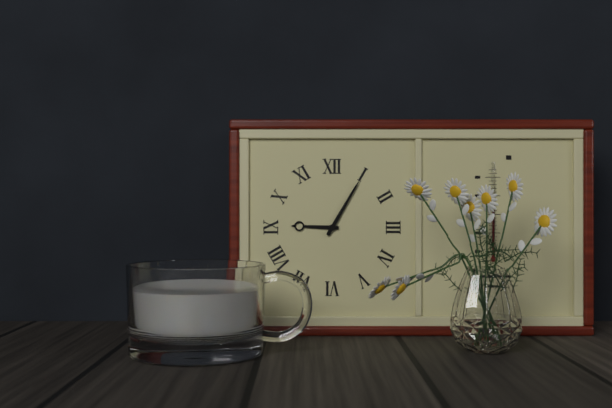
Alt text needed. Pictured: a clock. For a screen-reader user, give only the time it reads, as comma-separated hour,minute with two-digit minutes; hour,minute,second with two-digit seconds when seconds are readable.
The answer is 9,05
